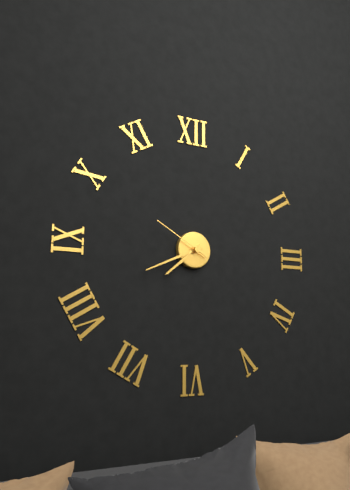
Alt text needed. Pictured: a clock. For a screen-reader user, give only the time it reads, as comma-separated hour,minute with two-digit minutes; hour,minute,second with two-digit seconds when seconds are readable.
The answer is 7,41,50
